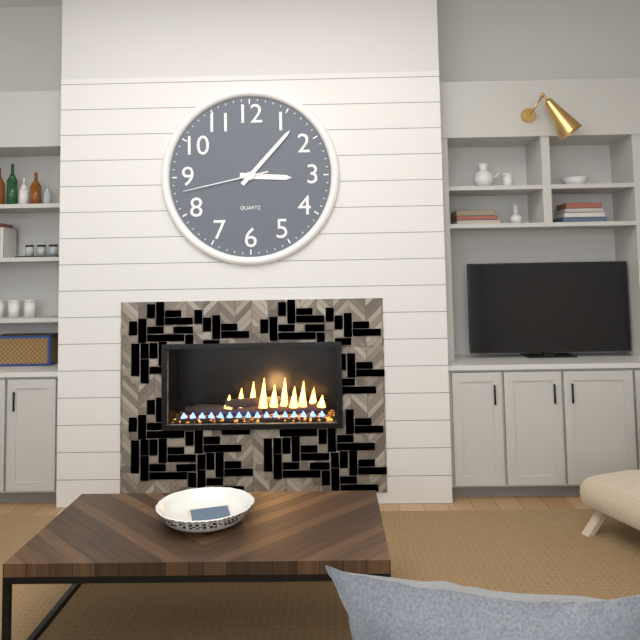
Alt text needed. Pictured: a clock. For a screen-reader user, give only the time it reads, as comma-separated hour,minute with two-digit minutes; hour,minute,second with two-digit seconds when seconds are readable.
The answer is 3,07,43
